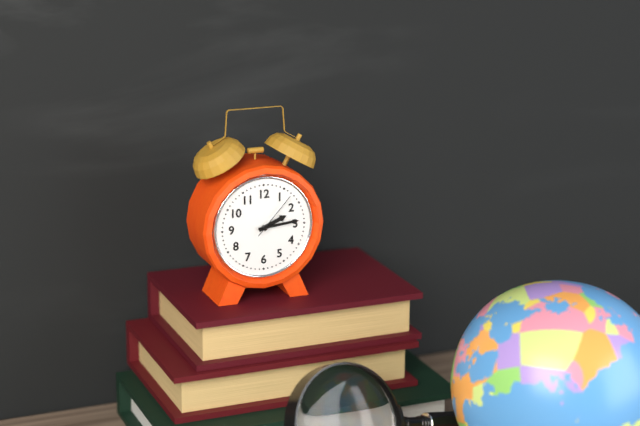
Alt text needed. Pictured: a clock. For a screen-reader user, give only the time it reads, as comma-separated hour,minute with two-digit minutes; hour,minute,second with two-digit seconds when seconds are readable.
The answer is 2,14,07
